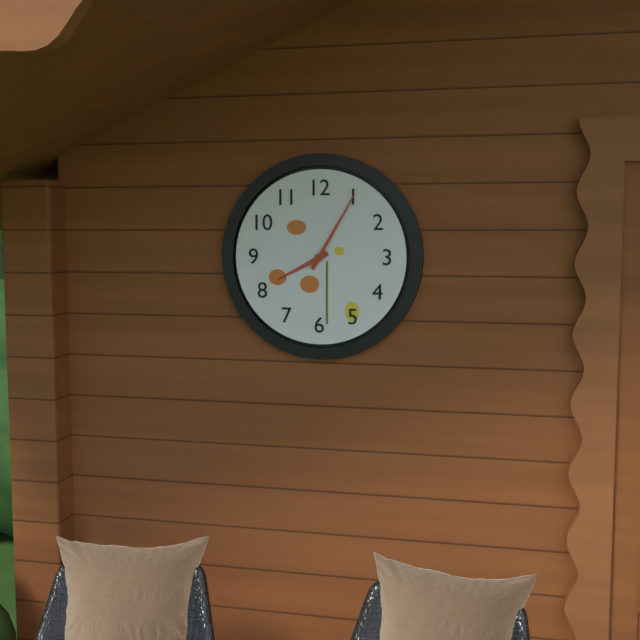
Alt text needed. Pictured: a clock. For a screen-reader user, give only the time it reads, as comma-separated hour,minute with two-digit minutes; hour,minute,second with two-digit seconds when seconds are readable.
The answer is 8,05
